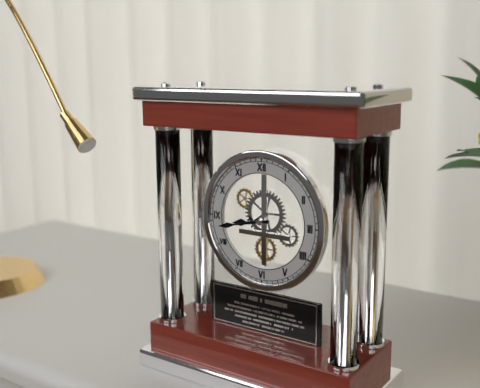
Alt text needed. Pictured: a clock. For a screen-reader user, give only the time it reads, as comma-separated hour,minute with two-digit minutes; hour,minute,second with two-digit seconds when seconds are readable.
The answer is 8,43
